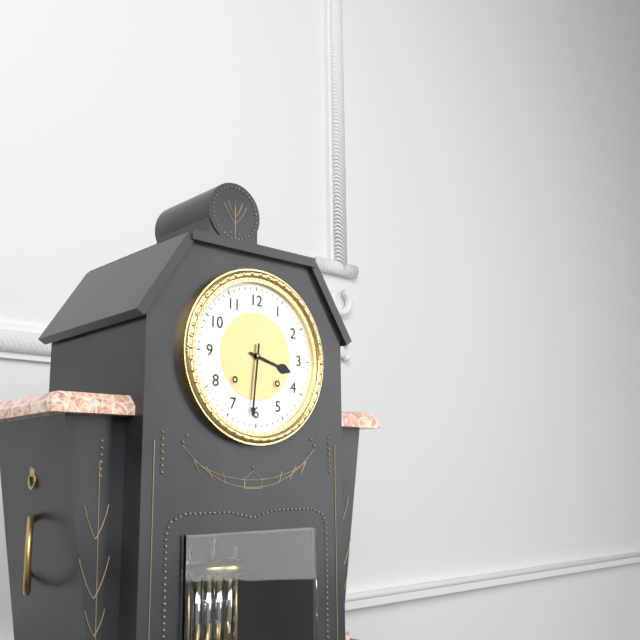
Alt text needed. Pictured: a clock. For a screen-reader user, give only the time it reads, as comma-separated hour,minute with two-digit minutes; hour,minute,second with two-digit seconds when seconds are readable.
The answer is 3,31
